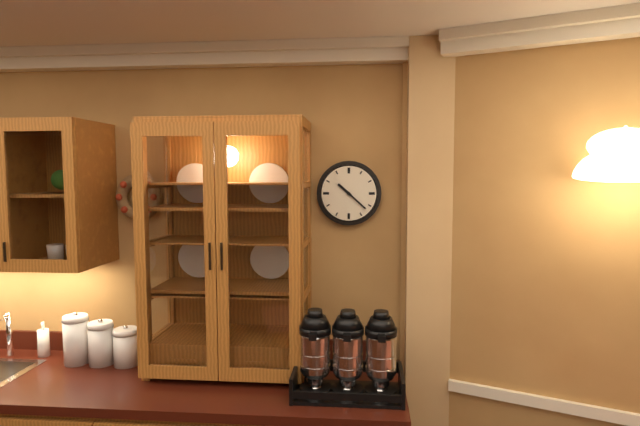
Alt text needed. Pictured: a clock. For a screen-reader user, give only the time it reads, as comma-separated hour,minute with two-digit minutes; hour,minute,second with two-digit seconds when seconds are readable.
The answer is 10,22
